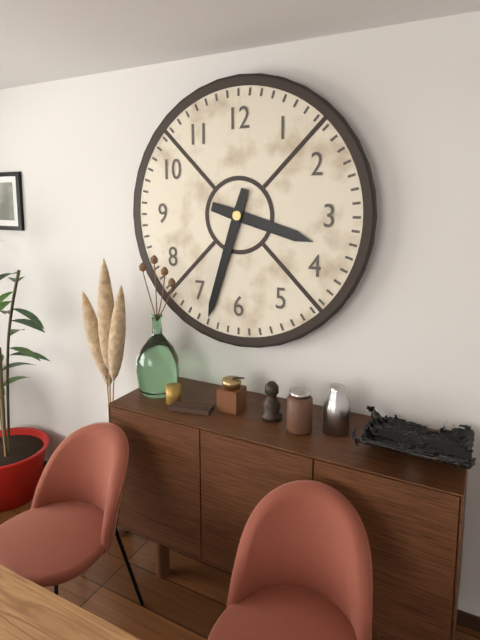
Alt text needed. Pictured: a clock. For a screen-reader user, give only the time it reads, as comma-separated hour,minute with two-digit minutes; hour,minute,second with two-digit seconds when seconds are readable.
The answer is 3,33
